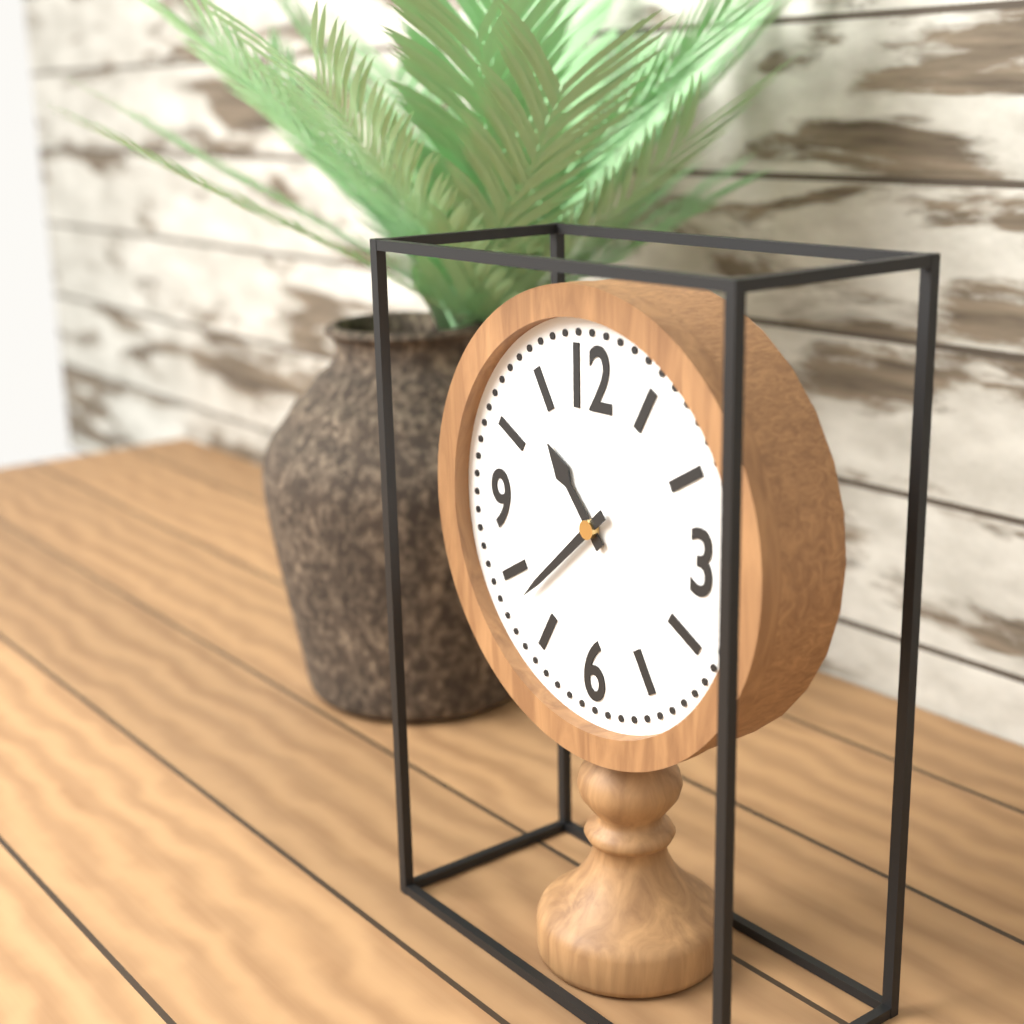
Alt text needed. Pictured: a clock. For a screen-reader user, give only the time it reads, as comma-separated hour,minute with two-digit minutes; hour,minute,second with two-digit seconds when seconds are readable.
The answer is 10,38
